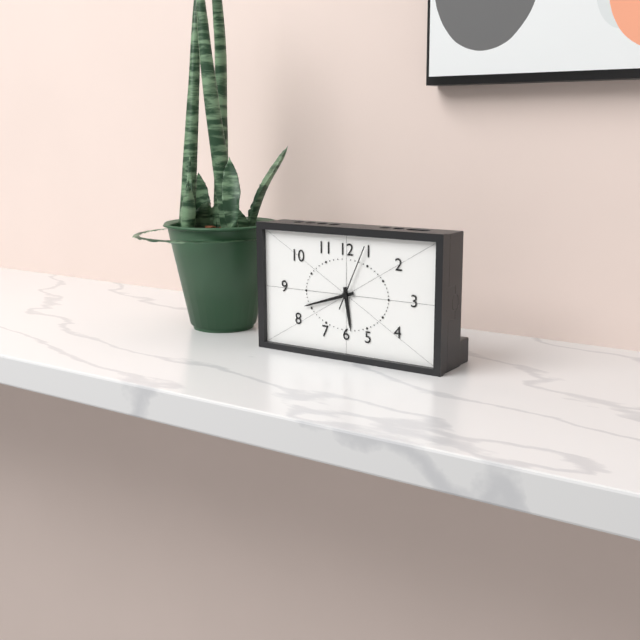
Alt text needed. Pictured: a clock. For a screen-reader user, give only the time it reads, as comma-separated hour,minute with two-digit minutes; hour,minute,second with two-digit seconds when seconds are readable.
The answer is 5,42,04
